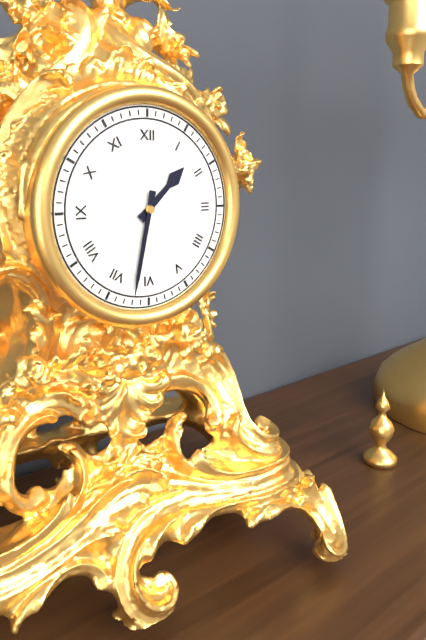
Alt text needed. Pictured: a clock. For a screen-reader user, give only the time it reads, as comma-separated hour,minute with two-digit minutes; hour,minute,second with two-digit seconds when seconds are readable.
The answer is 1,32
